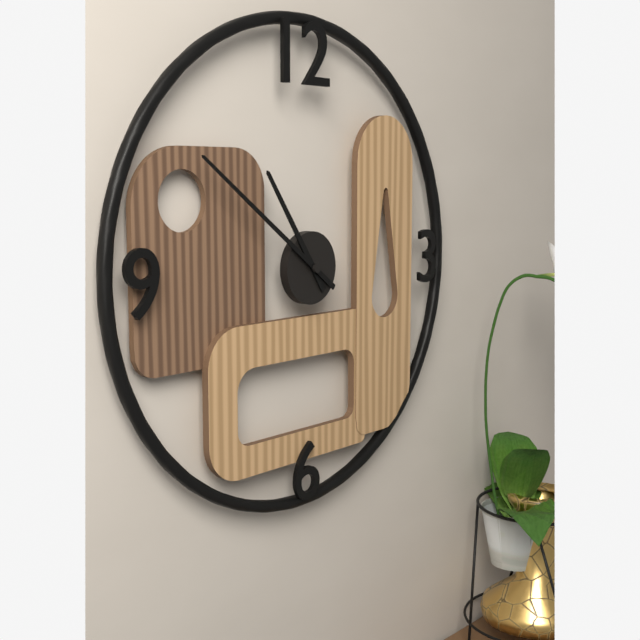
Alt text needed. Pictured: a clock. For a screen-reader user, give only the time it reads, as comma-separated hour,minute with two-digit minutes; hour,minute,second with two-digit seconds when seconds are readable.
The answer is 10,51
